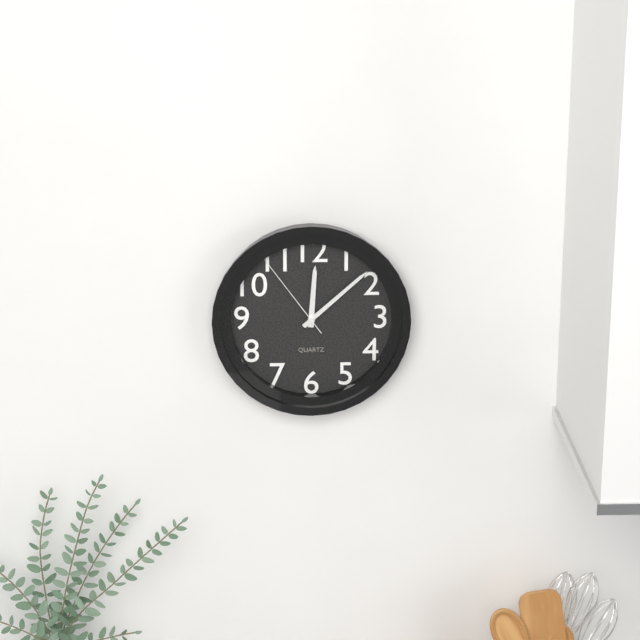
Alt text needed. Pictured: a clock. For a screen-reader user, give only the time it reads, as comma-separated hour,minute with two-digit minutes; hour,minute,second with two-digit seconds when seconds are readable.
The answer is 12,08,54
